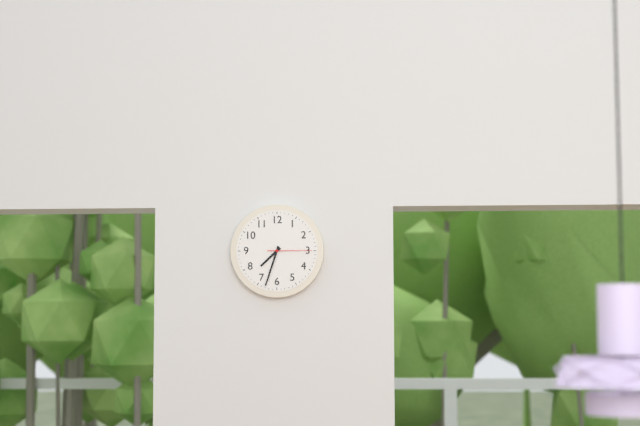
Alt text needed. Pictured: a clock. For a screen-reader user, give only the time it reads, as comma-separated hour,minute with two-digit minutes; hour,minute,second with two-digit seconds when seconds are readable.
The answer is 7,33
